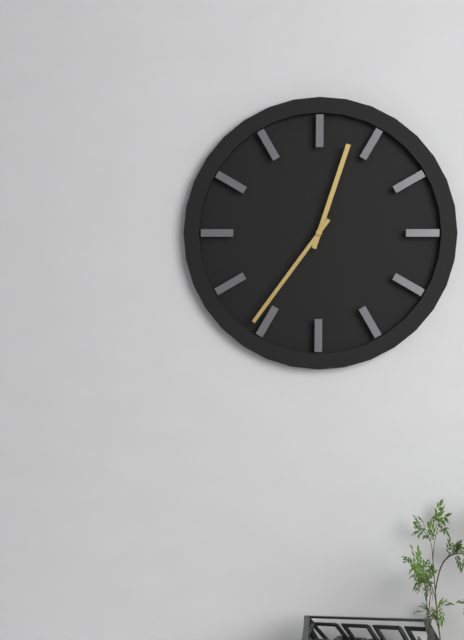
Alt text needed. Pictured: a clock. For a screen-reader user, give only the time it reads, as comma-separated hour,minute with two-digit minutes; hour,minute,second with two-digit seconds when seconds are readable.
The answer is 12,36
